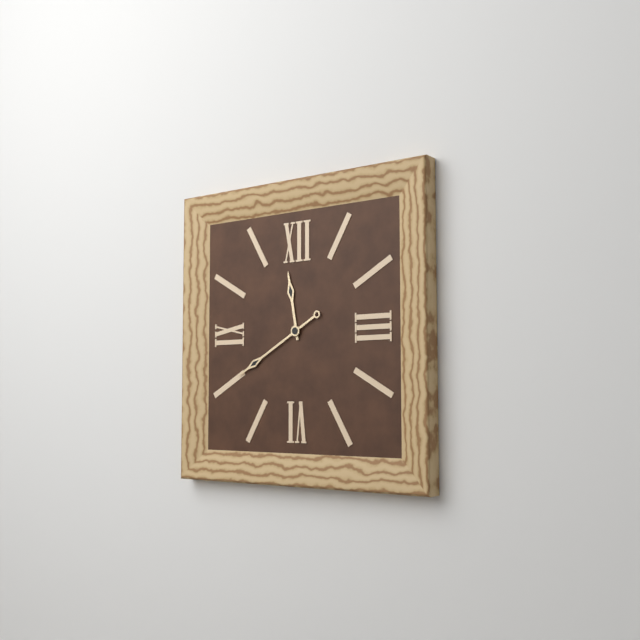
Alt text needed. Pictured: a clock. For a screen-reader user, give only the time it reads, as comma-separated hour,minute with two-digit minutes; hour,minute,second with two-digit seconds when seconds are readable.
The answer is 11,40
